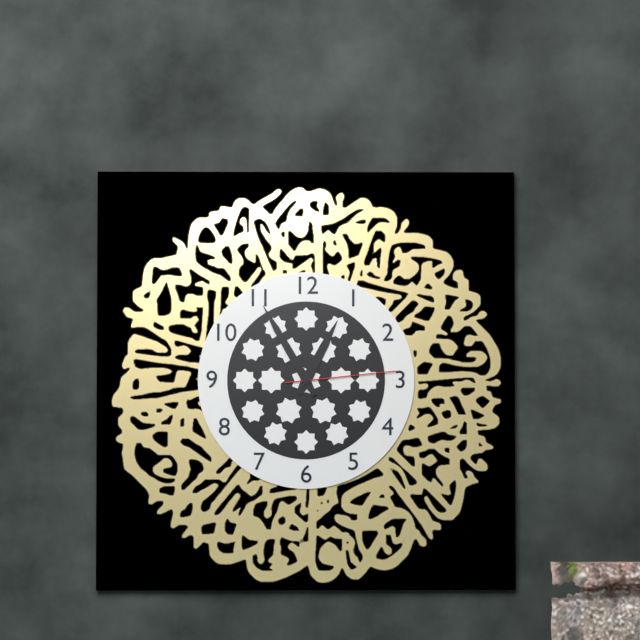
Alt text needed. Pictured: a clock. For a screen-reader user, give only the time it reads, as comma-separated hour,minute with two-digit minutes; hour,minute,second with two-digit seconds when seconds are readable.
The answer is 12,55,14
